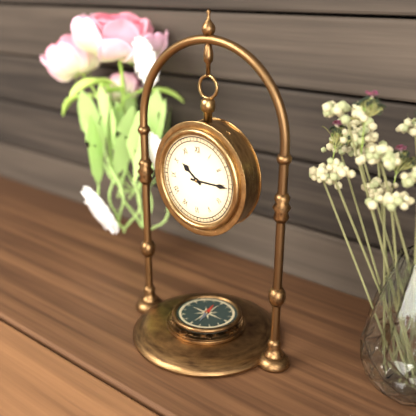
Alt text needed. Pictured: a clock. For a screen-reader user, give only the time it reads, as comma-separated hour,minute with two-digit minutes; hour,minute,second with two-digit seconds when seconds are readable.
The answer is 10,15
